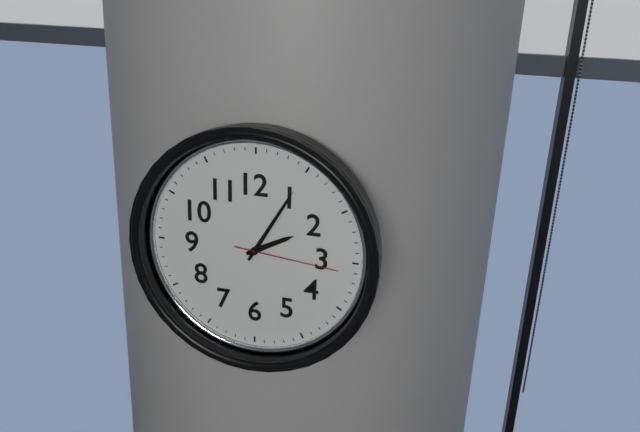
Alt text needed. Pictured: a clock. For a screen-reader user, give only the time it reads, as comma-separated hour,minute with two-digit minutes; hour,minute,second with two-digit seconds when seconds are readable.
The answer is 2,05,16
